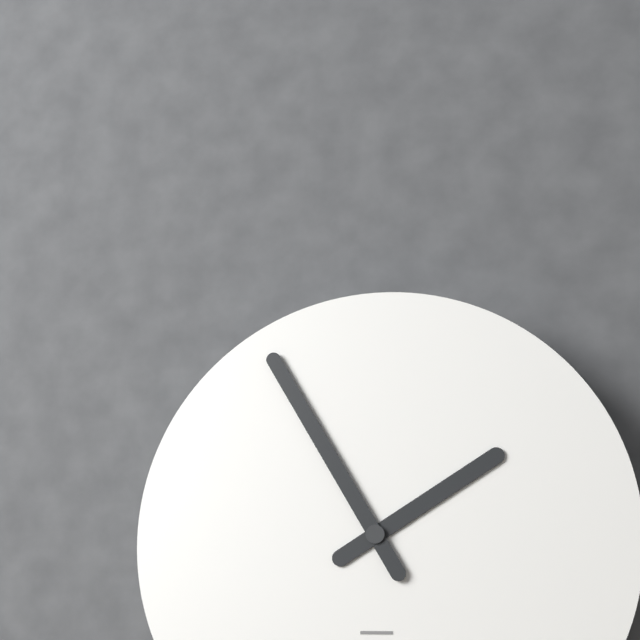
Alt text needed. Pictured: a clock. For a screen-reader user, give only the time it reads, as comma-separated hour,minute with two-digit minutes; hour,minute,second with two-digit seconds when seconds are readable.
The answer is 1,55
